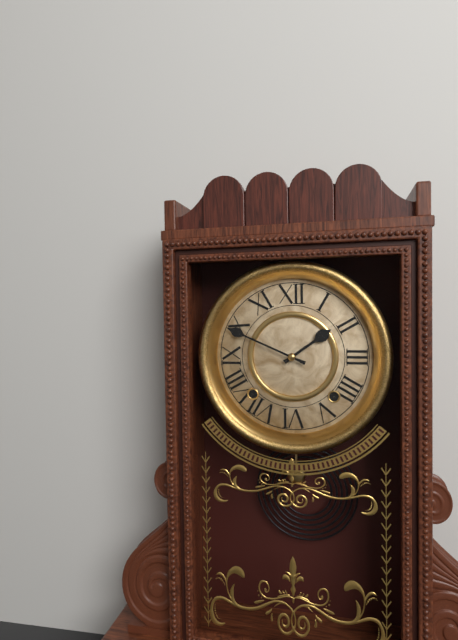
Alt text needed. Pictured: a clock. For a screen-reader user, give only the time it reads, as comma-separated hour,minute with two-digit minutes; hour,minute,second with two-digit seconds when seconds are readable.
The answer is 1,49
